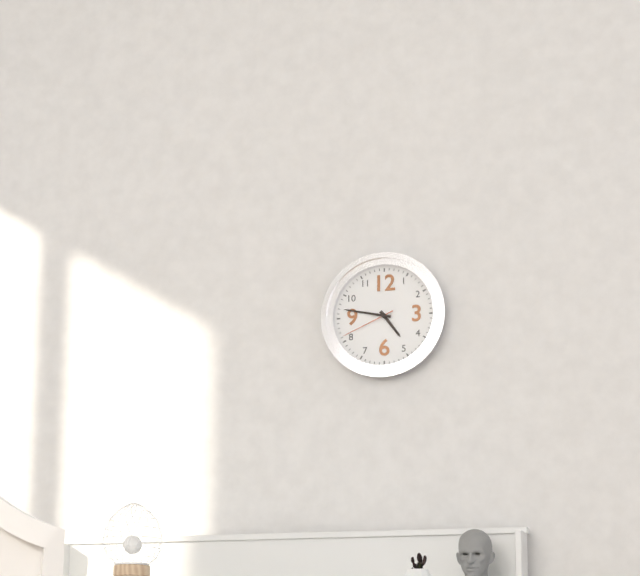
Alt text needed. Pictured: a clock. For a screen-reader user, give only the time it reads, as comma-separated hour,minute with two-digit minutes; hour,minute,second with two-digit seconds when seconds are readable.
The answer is 4,47,41
